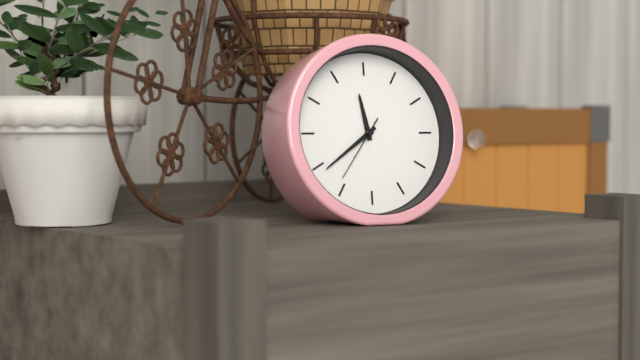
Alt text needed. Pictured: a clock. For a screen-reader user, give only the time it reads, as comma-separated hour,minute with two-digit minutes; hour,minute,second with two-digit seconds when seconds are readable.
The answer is 11,39,36
